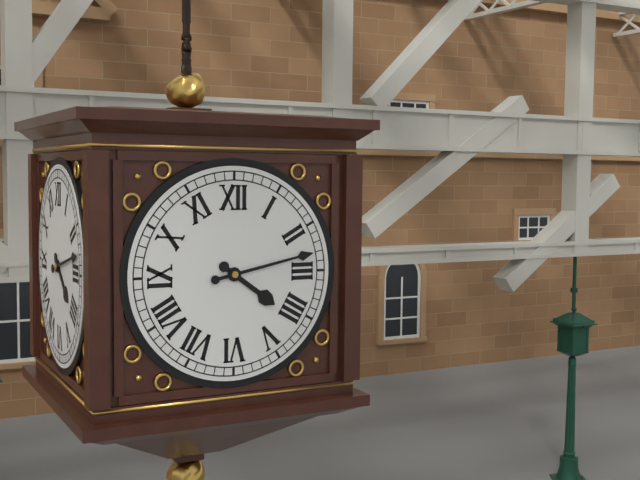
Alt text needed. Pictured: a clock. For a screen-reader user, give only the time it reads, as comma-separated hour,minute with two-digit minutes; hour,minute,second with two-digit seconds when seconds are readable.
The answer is 4,13
